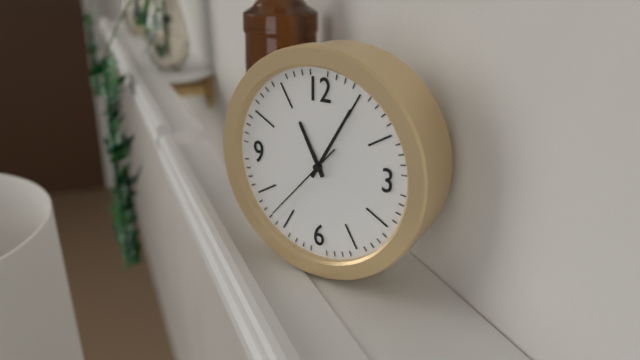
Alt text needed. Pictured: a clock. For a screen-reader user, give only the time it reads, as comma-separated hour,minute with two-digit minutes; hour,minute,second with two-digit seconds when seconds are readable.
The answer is 11,05,37
